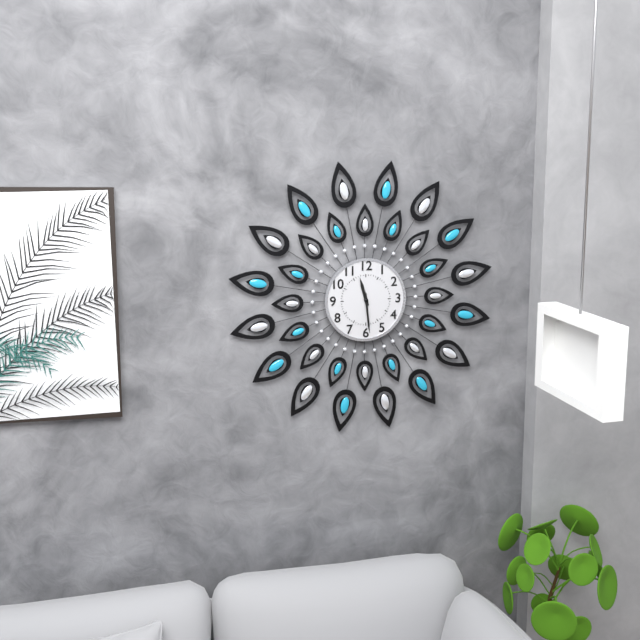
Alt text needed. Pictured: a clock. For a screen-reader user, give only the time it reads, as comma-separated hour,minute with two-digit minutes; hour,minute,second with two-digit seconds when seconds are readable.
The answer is 11,29
